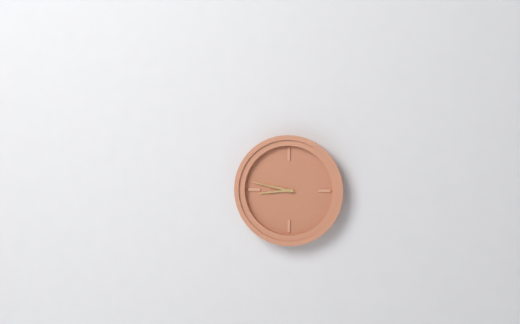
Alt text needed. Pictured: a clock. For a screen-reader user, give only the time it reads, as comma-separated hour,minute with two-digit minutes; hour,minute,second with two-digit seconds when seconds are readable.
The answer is 8,47
